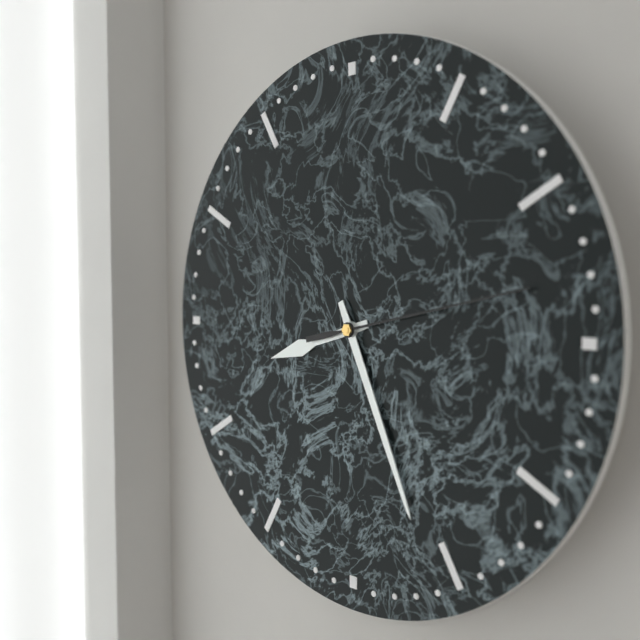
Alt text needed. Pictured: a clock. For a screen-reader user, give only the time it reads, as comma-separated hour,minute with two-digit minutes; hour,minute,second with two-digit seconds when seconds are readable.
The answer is 8,26,13
